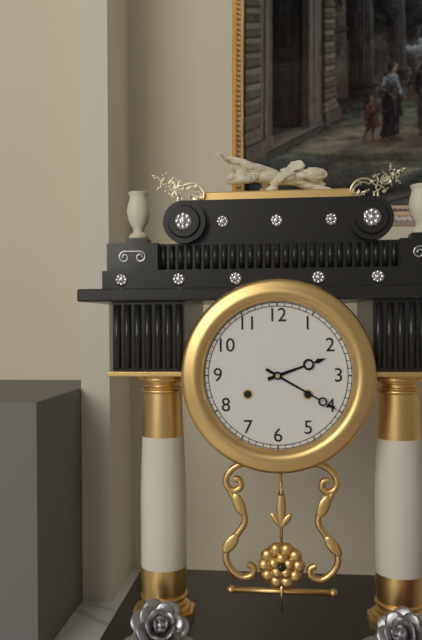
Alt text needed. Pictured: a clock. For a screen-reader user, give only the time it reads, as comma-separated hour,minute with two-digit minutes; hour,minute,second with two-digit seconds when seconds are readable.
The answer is 2,20
